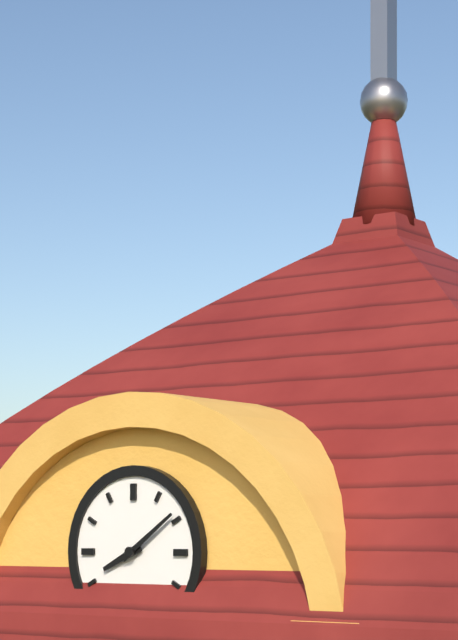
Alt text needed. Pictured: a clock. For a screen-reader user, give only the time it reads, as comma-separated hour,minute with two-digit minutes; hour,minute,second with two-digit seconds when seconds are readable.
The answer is 8,09
